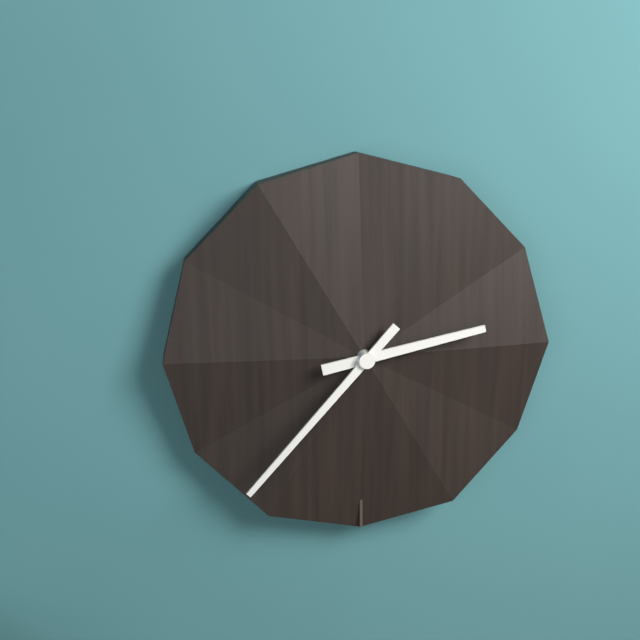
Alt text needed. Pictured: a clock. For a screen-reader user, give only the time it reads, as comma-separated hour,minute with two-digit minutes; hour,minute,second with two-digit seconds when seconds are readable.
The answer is 2,37
